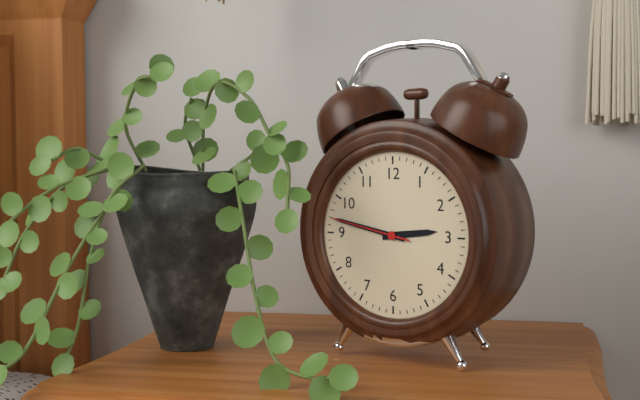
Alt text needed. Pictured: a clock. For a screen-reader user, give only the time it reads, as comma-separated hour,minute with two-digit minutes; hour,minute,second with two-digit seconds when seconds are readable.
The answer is 2,47,47
